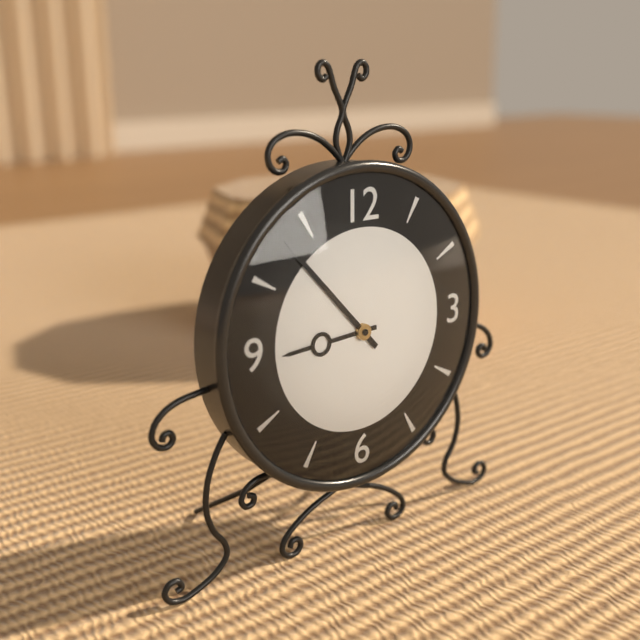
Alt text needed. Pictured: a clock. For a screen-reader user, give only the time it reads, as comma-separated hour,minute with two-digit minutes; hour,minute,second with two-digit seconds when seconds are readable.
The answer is 8,53
